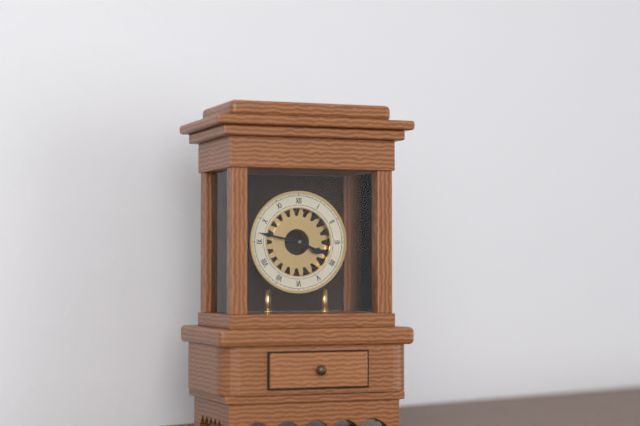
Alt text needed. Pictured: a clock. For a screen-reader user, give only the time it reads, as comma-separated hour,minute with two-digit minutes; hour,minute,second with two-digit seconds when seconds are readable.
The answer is 3,47
